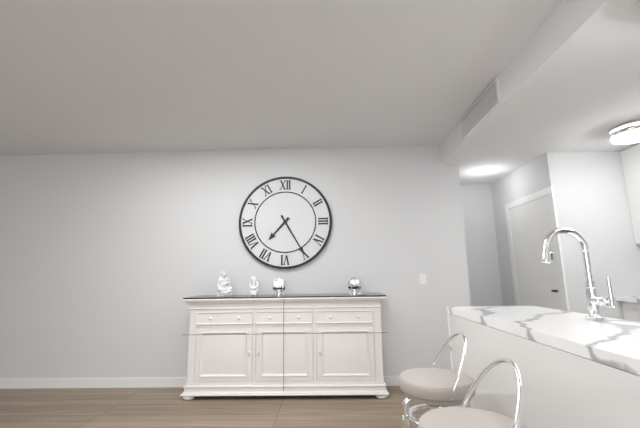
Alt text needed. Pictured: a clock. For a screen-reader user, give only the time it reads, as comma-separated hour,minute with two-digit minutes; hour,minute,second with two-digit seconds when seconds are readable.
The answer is 7,25
